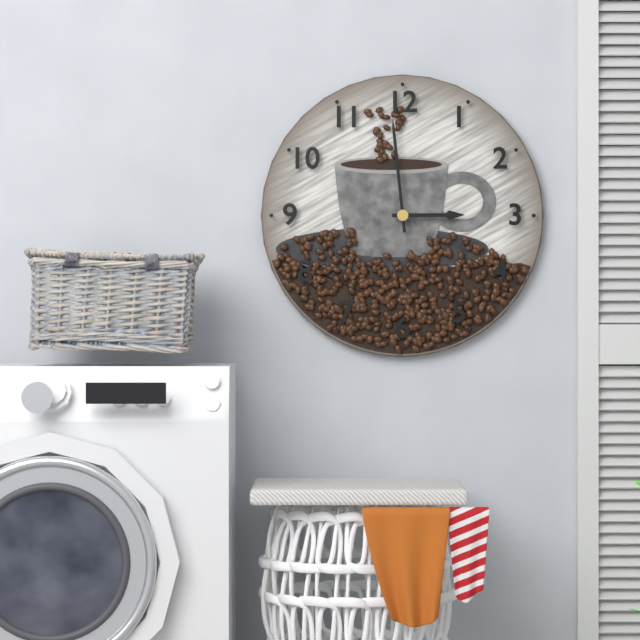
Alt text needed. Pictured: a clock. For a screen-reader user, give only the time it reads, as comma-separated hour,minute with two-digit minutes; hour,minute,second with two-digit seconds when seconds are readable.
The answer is 2,59
